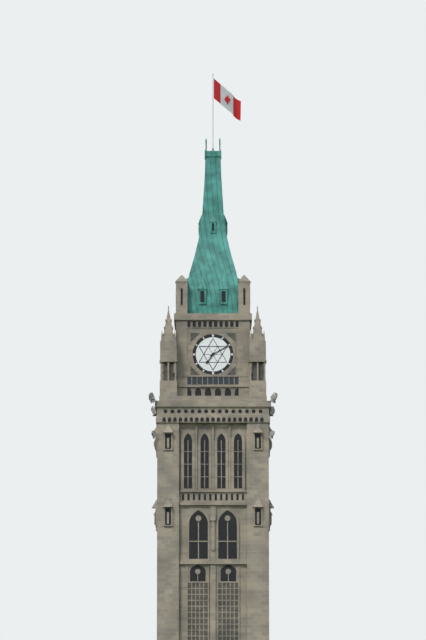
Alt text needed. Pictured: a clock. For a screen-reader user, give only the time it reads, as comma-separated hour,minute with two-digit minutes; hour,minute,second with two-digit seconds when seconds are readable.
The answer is 7,10
